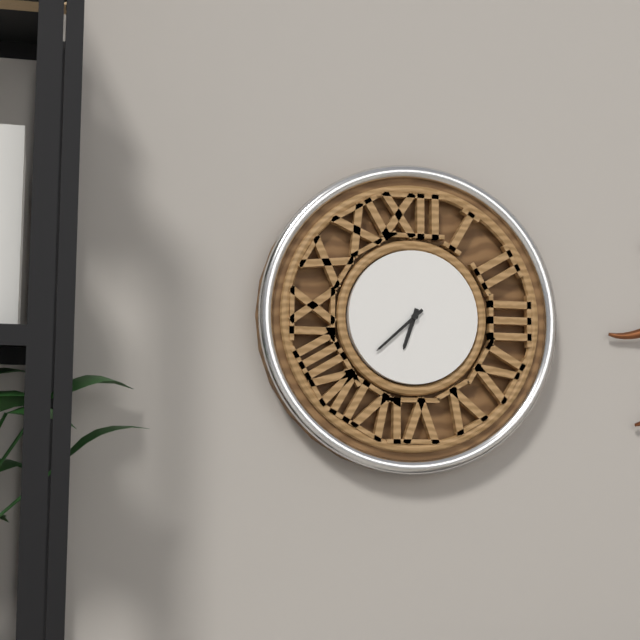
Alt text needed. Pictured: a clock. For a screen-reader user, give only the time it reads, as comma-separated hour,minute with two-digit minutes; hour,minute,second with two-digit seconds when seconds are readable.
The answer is 6,38
